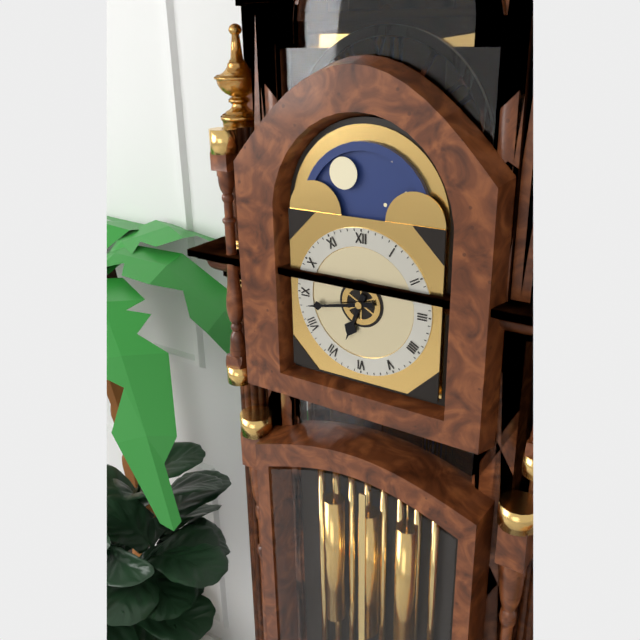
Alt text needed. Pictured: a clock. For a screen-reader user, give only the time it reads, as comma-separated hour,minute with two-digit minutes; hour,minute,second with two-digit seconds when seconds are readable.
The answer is 6,43
